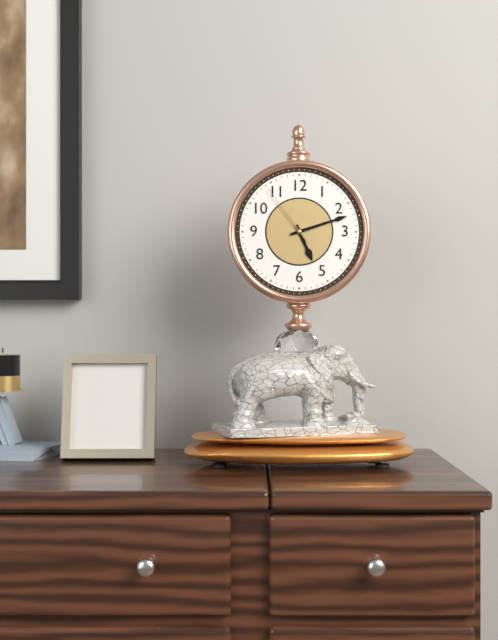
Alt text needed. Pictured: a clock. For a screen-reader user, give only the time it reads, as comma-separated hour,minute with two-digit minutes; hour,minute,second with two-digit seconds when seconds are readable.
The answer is 5,12,54
